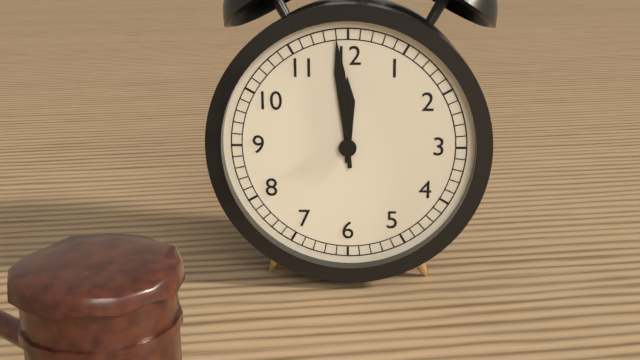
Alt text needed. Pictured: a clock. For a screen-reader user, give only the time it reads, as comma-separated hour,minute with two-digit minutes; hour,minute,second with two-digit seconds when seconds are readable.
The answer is 11,59
